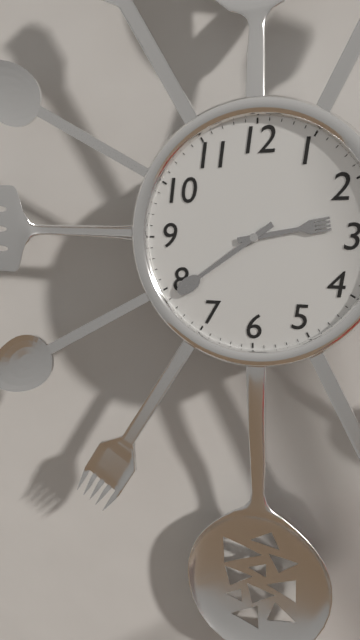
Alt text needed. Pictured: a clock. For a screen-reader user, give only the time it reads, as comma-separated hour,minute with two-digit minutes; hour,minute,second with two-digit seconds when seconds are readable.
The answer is 2,39
